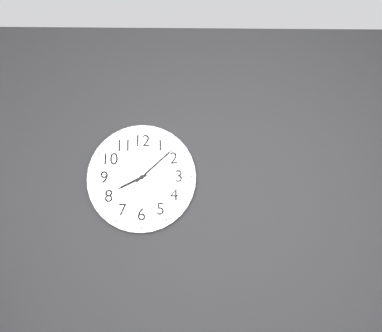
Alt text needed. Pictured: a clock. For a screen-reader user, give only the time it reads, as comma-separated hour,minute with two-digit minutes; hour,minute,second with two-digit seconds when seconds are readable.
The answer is 8,08
